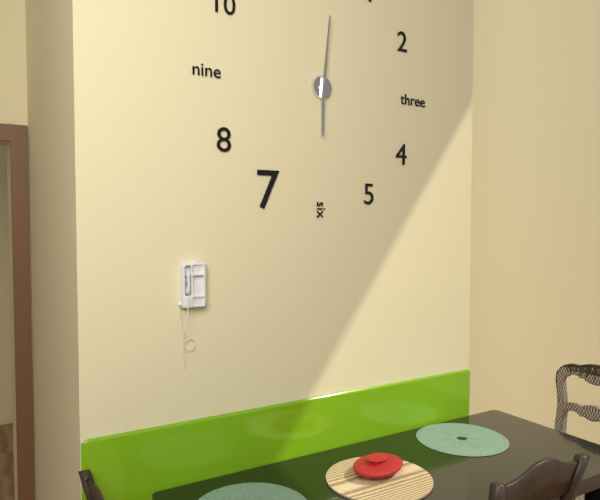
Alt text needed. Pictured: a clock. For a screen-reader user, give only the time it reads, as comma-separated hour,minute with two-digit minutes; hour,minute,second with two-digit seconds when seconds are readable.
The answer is 6,01
